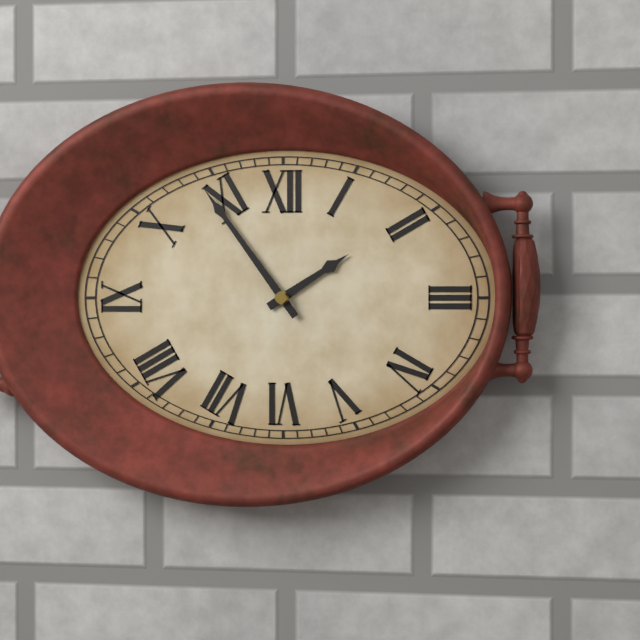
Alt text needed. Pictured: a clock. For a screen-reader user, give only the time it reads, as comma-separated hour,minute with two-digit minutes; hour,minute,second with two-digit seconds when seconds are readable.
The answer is 1,54
